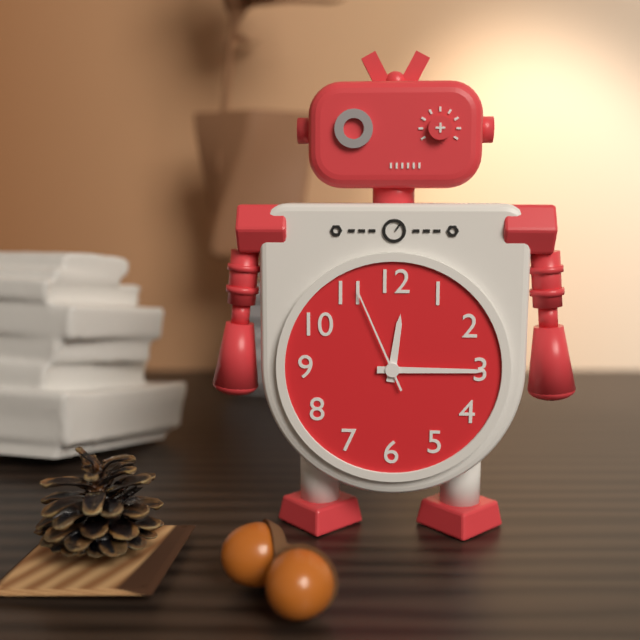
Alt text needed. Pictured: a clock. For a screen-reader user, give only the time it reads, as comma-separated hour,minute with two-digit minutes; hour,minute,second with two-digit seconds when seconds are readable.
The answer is 12,15,56
